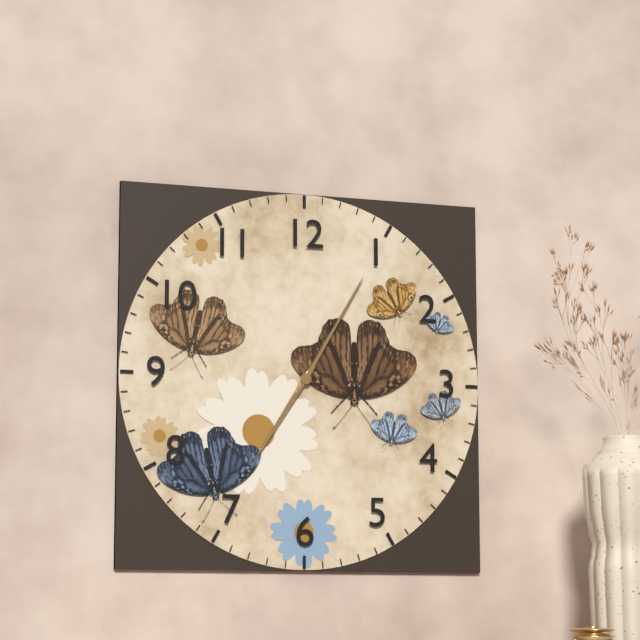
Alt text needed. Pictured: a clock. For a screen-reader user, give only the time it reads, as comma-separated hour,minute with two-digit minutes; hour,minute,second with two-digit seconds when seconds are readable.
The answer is 7,05
